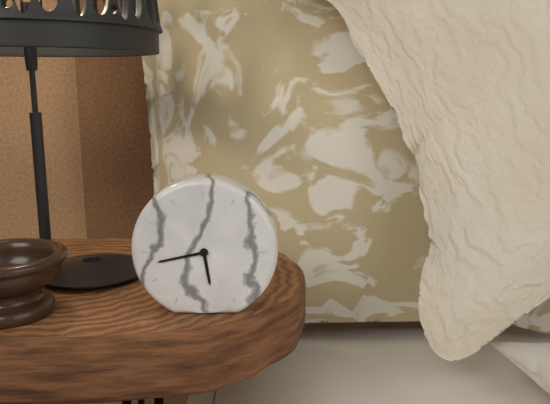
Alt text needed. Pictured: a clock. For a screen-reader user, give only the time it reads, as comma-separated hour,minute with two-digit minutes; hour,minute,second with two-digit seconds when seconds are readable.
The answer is 5,43
